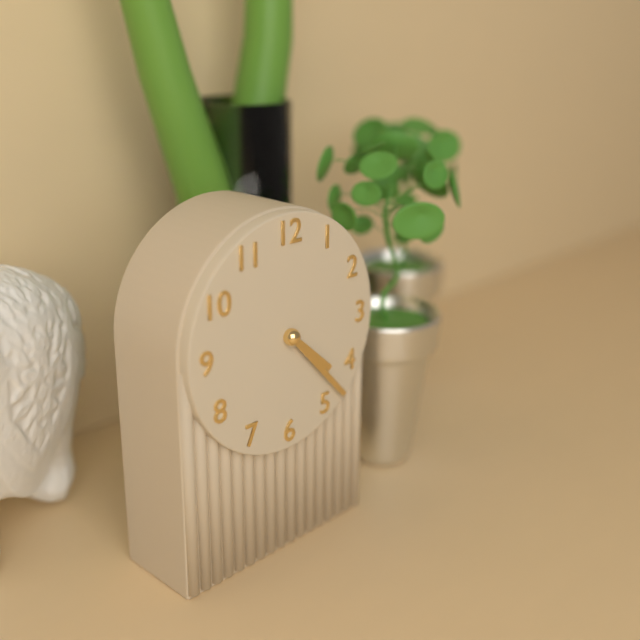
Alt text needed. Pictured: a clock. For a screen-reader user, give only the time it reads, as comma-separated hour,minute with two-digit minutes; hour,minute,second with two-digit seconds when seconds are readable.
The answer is 4,23
